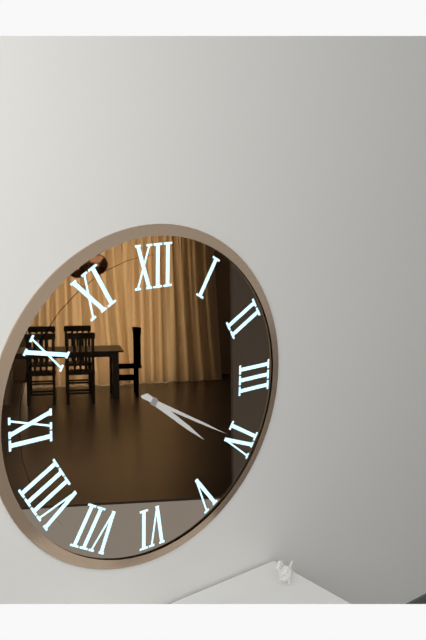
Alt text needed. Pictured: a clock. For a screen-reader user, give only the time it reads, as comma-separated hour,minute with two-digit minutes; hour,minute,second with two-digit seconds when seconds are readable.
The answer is 4,20
